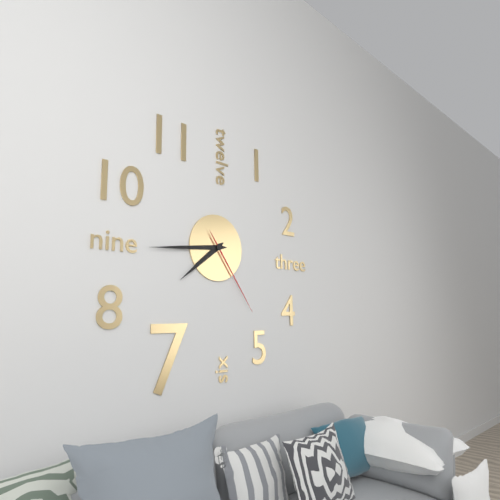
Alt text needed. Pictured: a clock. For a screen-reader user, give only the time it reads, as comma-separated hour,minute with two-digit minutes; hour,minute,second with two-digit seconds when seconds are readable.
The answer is 7,44,24
